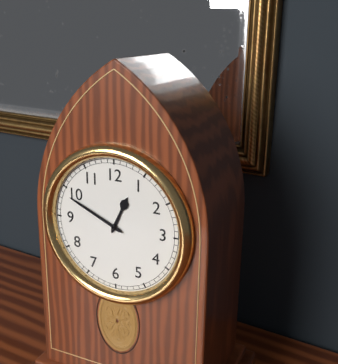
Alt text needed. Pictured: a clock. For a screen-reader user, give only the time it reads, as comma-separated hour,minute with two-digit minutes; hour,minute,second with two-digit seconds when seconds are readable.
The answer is 12,49
